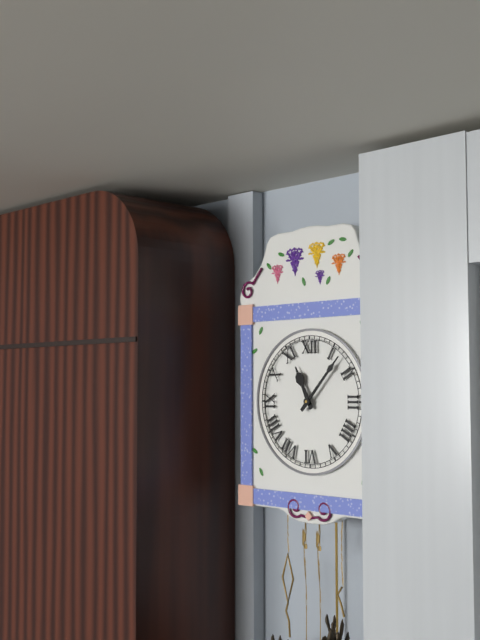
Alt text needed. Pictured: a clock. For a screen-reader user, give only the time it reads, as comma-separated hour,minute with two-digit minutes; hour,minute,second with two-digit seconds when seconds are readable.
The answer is 11,07
